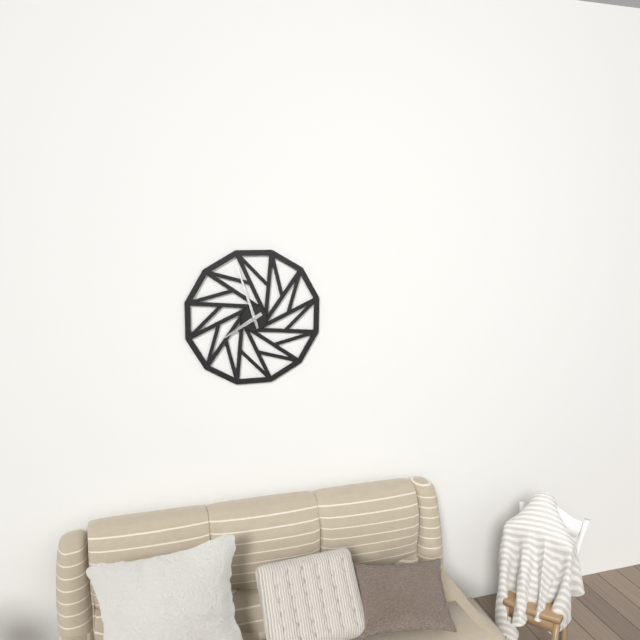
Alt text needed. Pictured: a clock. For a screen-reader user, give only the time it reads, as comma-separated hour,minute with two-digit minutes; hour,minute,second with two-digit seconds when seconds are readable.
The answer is 7,57
